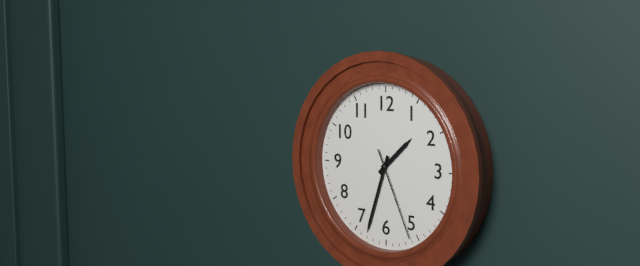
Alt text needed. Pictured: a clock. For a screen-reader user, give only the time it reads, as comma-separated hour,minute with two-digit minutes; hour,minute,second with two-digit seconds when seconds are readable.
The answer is 1,33,26
